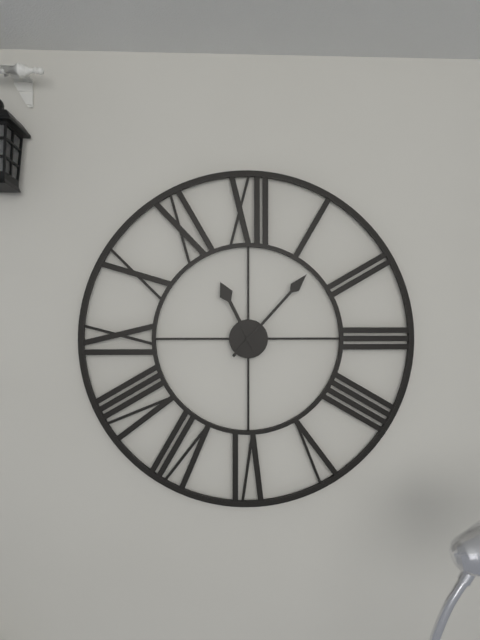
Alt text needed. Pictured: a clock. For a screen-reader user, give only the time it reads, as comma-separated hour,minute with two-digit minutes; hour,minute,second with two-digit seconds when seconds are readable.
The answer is 11,07
